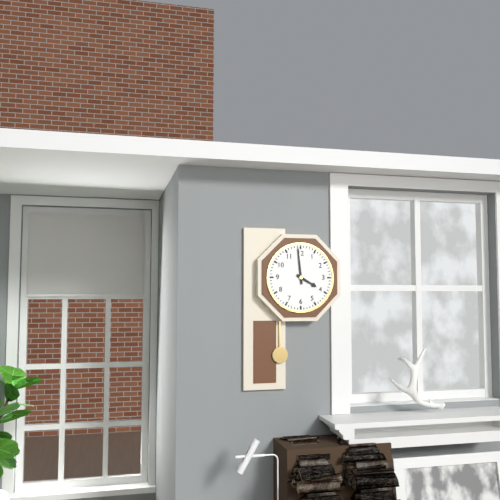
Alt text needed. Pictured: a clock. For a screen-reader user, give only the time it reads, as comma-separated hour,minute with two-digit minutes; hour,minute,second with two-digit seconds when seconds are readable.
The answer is 3,59
